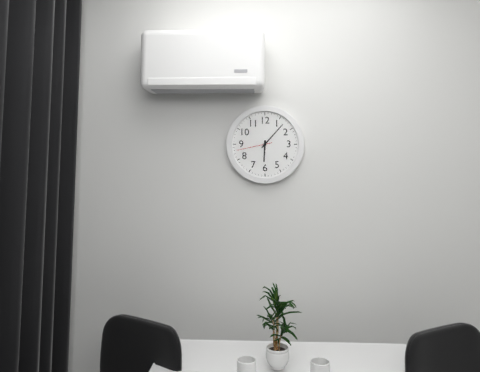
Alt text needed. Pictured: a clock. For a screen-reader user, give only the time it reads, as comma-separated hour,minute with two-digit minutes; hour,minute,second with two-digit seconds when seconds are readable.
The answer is 6,07
